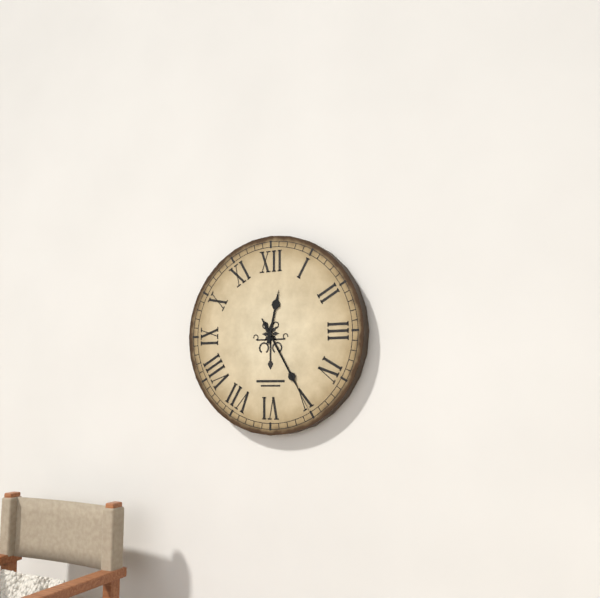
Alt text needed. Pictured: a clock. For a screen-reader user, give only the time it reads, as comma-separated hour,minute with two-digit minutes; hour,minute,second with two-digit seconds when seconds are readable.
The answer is 12,25,25
